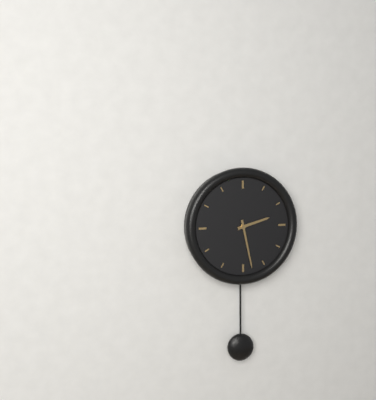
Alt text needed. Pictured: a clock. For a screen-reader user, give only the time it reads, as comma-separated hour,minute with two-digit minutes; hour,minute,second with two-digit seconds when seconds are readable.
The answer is 2,28
